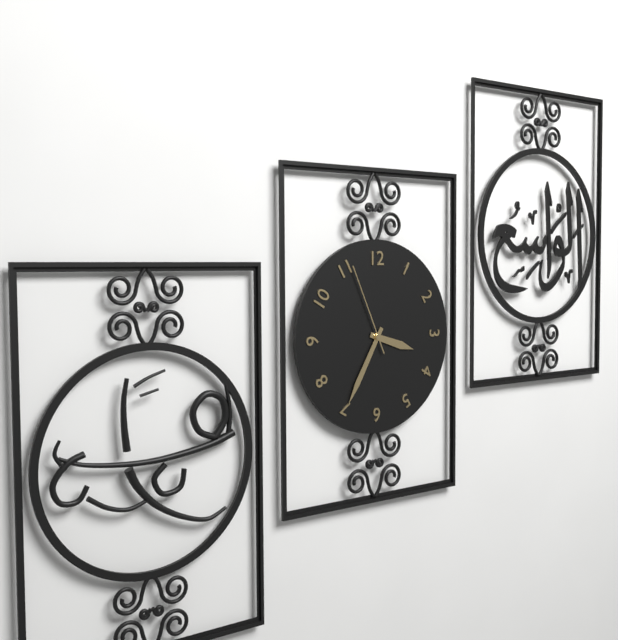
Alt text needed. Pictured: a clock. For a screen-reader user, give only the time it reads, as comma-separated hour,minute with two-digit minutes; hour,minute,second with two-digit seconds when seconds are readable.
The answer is 3,35,56
